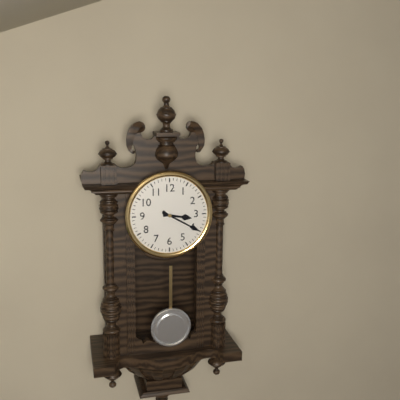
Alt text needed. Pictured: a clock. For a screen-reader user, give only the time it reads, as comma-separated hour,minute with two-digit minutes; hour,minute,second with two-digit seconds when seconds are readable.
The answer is 3,20
